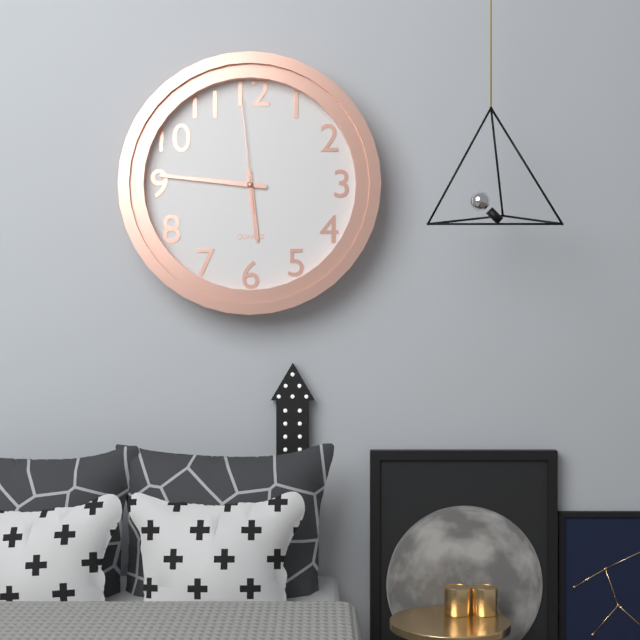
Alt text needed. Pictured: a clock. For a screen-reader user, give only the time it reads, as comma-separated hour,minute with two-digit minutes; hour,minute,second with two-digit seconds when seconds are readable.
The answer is 5,46,59
